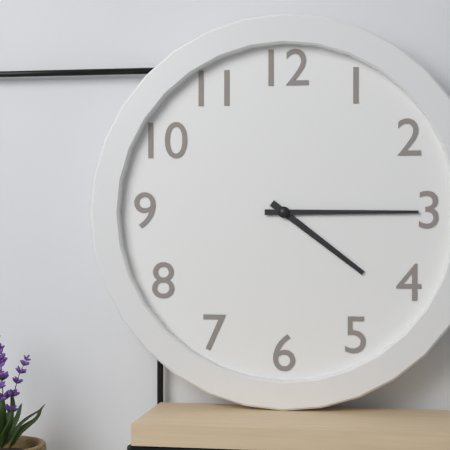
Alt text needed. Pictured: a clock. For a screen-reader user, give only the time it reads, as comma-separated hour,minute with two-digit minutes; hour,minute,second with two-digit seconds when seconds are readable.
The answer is 4,15
